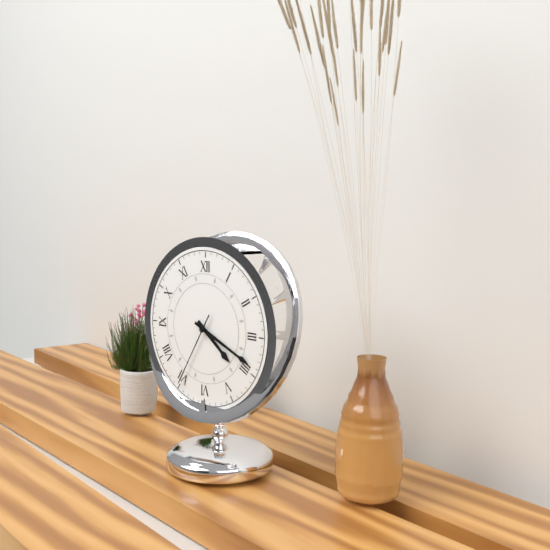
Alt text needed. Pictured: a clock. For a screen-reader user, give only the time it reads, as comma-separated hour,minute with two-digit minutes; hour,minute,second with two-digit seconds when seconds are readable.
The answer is 4,19,35
